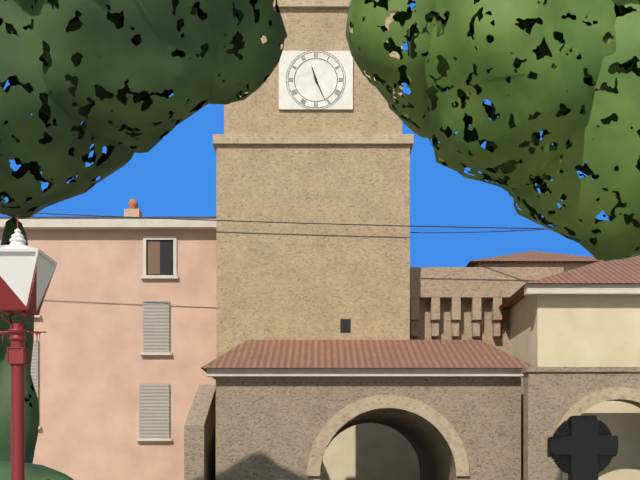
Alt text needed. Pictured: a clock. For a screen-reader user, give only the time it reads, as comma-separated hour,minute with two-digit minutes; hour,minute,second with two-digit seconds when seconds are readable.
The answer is 11,26
